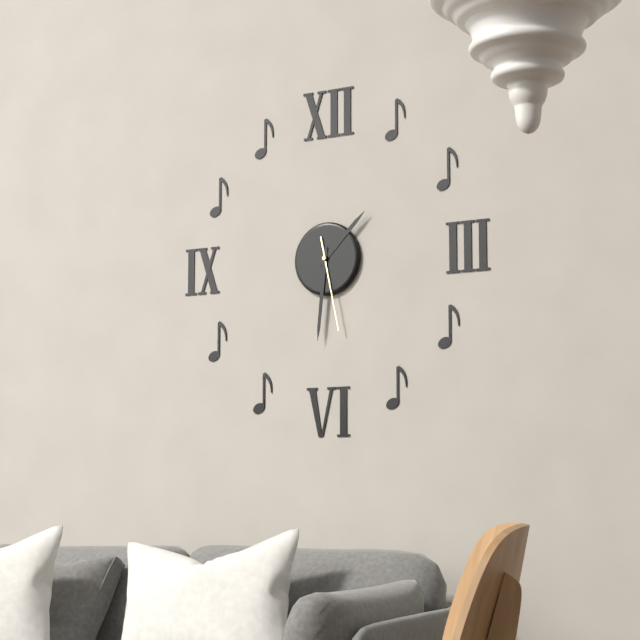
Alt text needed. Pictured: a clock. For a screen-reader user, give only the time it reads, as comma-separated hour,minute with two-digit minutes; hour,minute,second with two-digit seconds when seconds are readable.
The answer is 1,31,28
